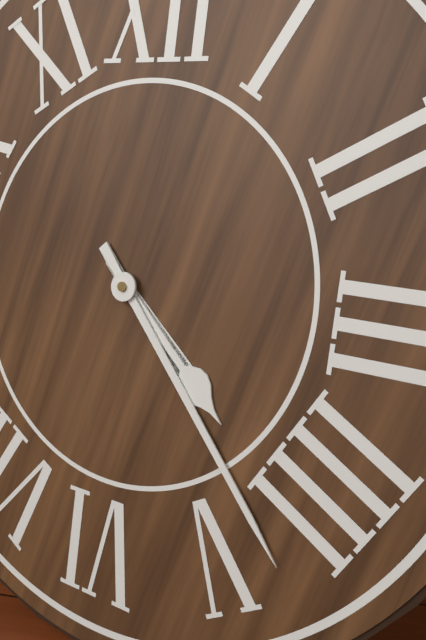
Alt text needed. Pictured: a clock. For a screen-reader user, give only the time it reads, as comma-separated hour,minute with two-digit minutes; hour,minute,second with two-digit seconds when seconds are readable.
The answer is 4,23
